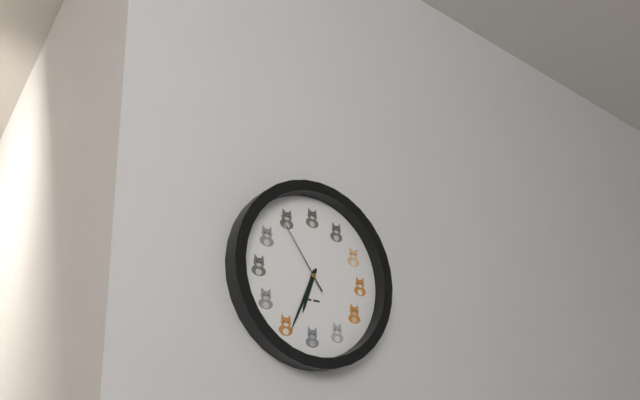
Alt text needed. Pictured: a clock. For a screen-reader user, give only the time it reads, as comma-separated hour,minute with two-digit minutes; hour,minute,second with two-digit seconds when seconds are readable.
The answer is 6,34,54
